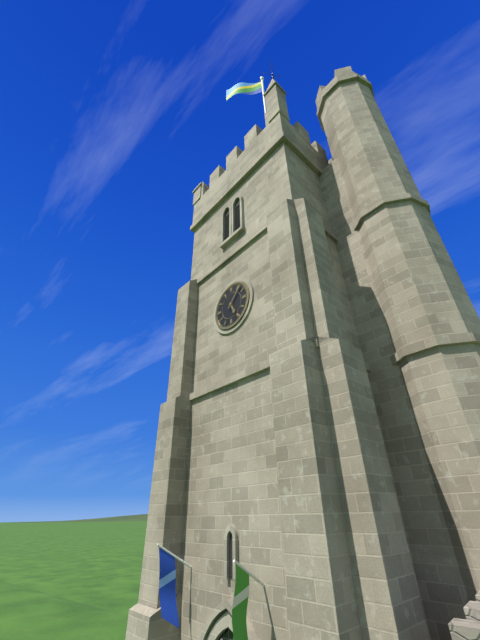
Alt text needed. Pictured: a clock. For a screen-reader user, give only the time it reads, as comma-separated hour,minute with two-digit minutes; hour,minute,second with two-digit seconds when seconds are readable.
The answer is 5,07
